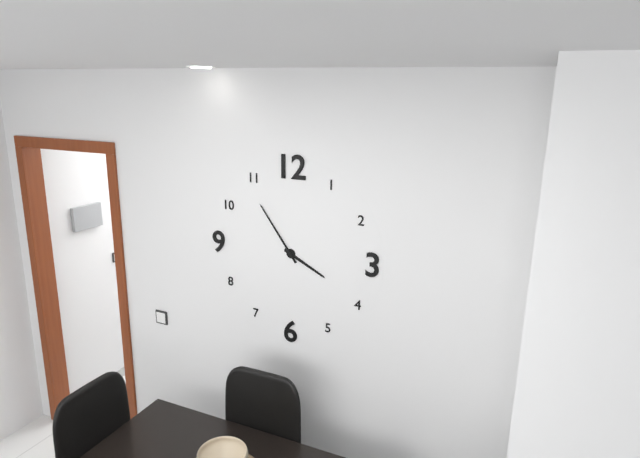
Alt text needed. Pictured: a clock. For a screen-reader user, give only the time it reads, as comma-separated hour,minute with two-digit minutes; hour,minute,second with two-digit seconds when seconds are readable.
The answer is 3,54
